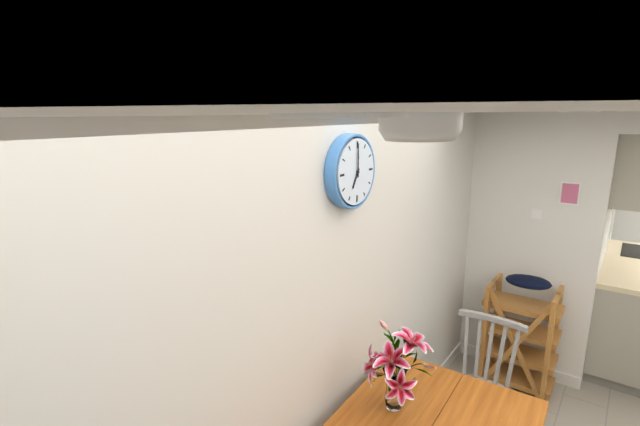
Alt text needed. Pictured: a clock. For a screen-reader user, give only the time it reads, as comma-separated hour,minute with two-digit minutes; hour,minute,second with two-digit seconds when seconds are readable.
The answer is 7,00
